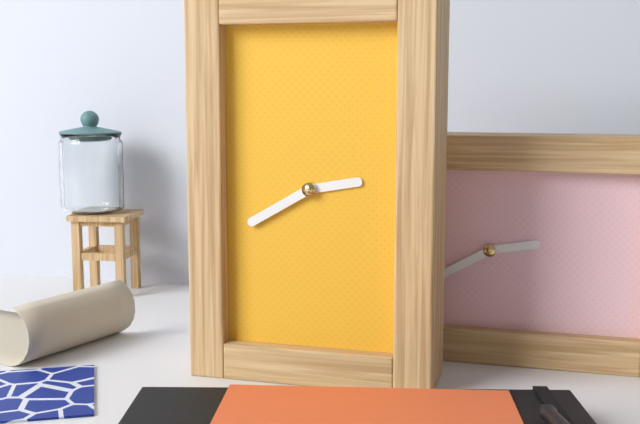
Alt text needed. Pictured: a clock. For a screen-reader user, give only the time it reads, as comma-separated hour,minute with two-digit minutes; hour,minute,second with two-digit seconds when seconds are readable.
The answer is 2,40
